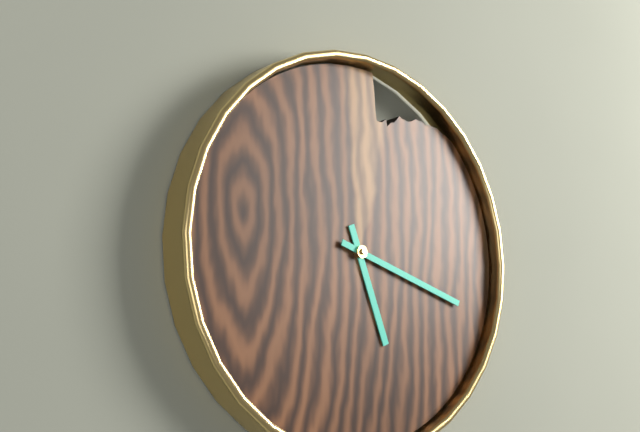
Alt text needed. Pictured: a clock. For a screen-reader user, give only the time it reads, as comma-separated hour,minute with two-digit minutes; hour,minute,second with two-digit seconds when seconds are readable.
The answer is 5,18
